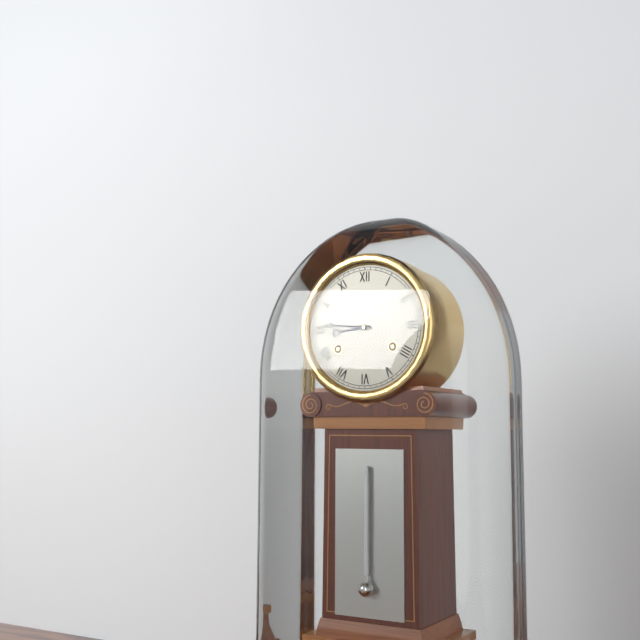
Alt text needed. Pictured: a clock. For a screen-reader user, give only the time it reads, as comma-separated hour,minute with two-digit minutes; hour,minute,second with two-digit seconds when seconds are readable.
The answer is 8,46
